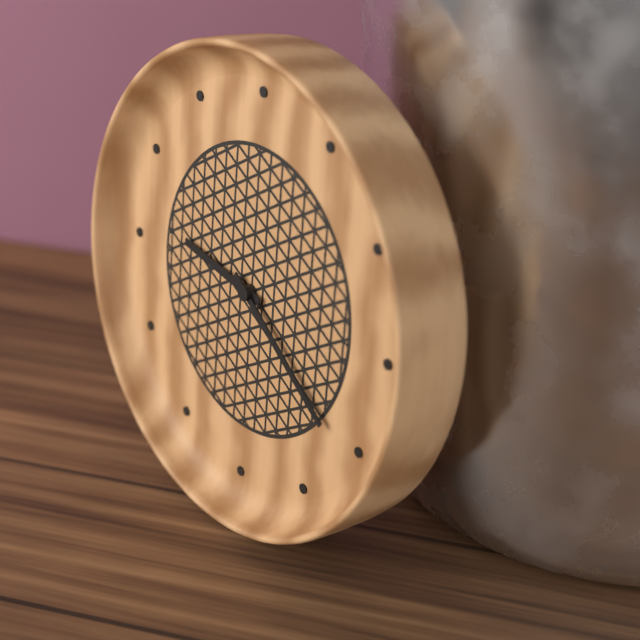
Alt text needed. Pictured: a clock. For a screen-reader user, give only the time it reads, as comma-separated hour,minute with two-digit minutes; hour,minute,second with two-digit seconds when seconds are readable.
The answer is 9,21
